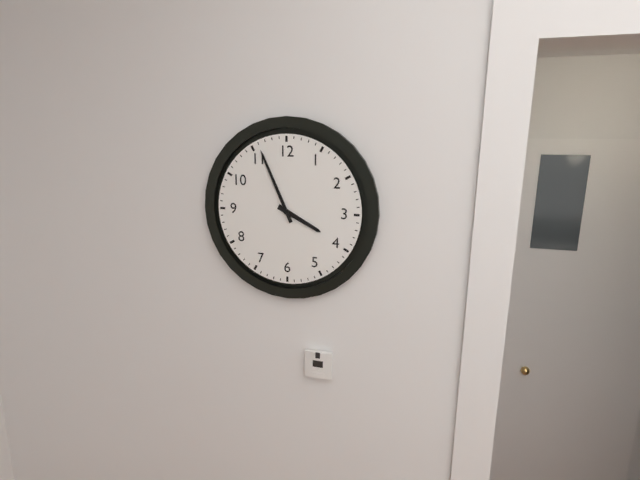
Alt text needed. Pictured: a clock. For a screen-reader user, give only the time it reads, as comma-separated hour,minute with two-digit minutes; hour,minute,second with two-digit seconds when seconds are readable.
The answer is 3,56
